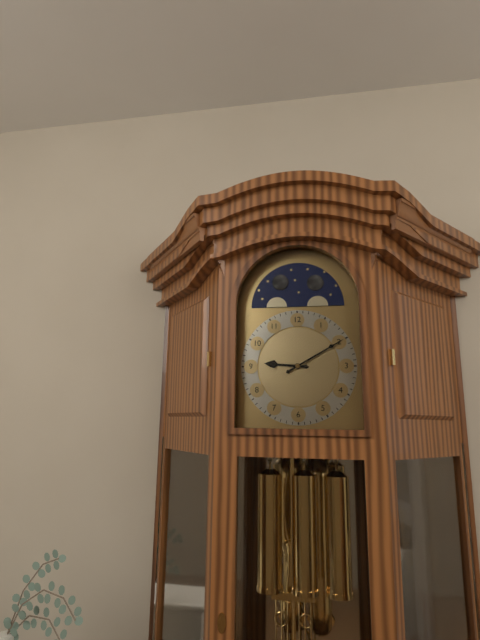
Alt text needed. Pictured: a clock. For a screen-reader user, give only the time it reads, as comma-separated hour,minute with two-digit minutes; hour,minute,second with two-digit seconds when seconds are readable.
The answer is 9,10
